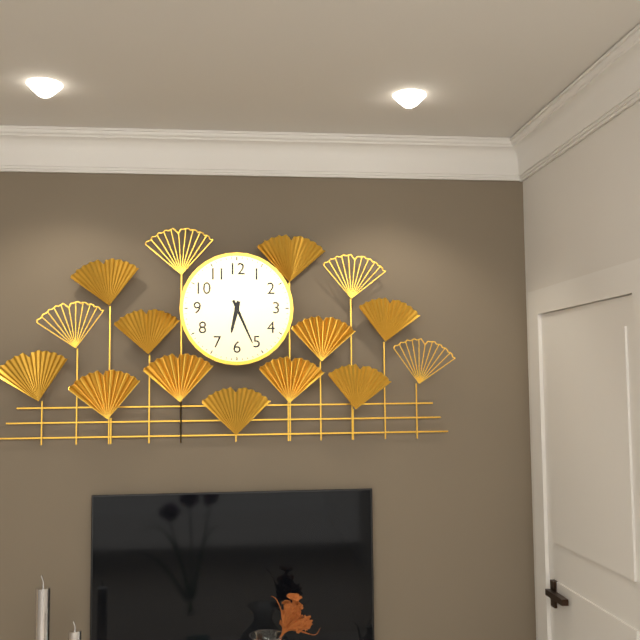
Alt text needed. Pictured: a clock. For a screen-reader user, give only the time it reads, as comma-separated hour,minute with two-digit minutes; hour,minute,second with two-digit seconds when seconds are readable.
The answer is 6,26
